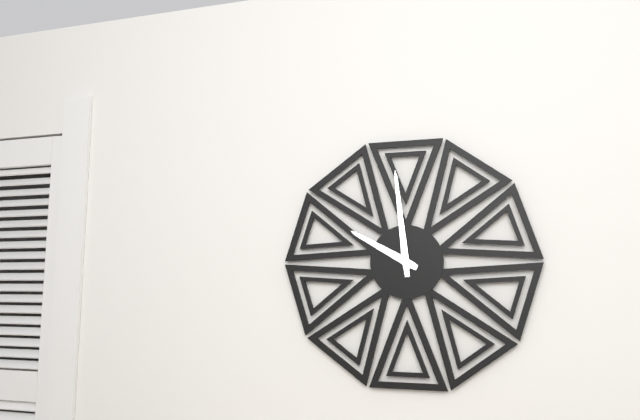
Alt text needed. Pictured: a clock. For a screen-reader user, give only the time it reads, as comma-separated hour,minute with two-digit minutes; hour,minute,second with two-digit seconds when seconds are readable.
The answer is 9,59
